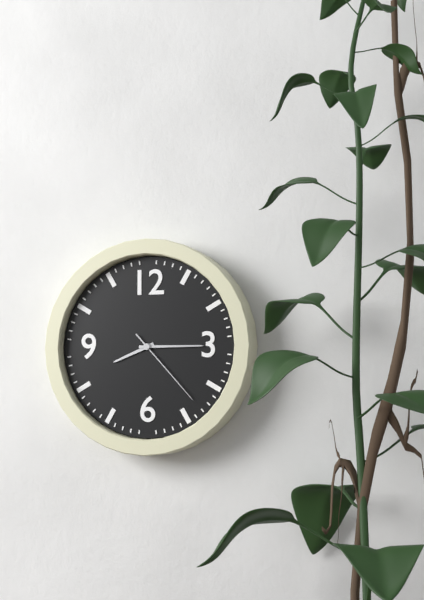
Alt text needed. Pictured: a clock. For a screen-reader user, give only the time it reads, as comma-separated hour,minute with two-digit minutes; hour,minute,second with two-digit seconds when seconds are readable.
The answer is 8,15,23
